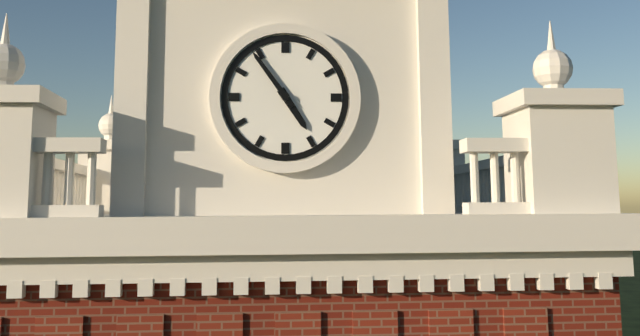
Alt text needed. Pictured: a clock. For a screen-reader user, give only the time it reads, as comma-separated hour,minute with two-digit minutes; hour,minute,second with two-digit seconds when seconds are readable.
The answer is 4,54
